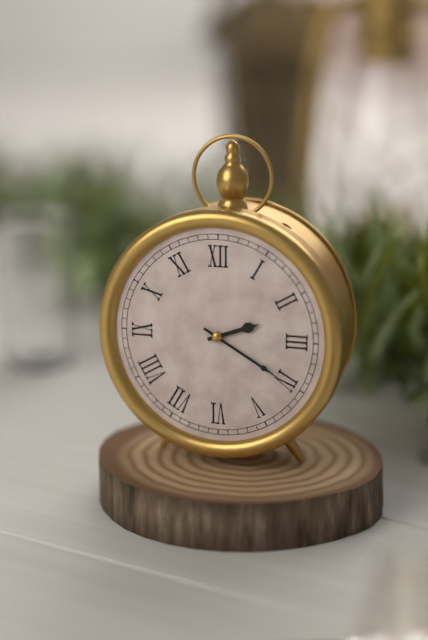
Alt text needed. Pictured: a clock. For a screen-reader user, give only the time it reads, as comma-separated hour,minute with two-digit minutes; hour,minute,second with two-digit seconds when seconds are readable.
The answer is 2,20
